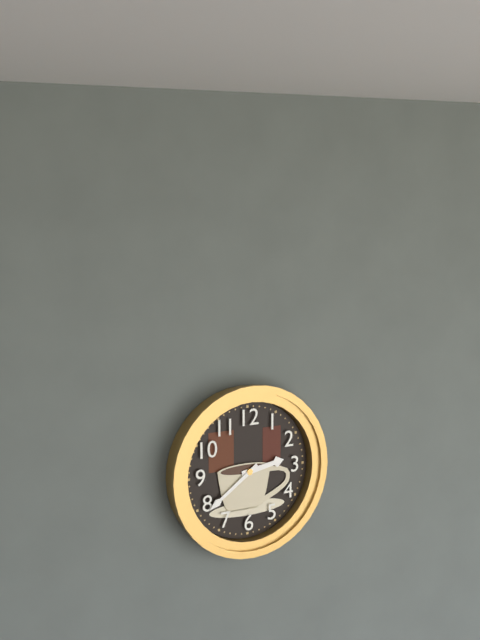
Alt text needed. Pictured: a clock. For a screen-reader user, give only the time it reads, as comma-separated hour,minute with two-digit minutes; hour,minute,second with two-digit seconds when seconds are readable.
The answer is 2,39
